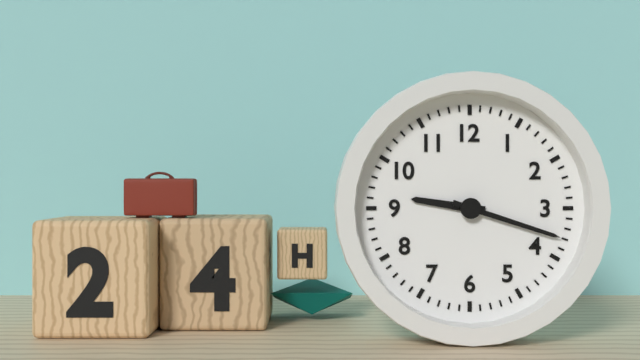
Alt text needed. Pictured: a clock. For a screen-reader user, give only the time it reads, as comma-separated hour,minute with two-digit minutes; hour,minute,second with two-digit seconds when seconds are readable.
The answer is 9,18
